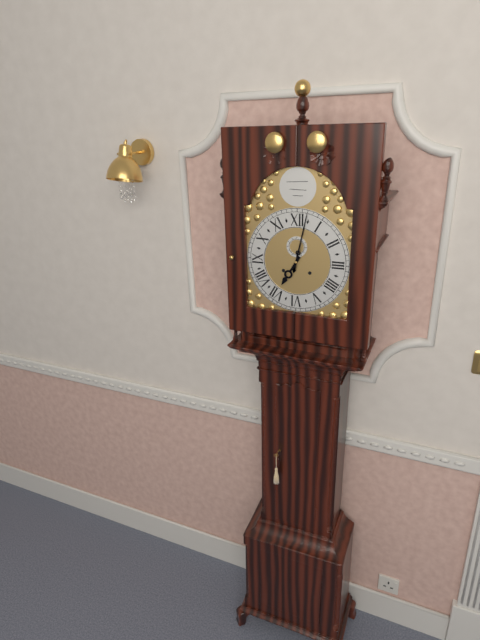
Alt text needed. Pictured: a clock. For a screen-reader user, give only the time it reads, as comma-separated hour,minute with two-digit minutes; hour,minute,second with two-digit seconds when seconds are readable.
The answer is 7,02
